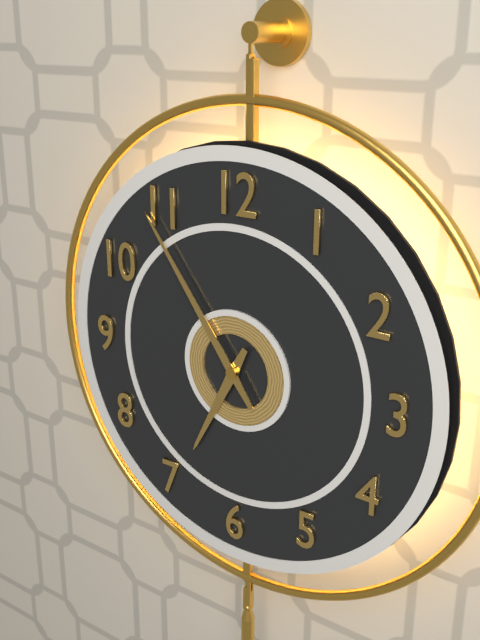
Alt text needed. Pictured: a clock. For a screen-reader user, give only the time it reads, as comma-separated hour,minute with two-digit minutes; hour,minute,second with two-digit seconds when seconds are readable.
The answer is 6,54
